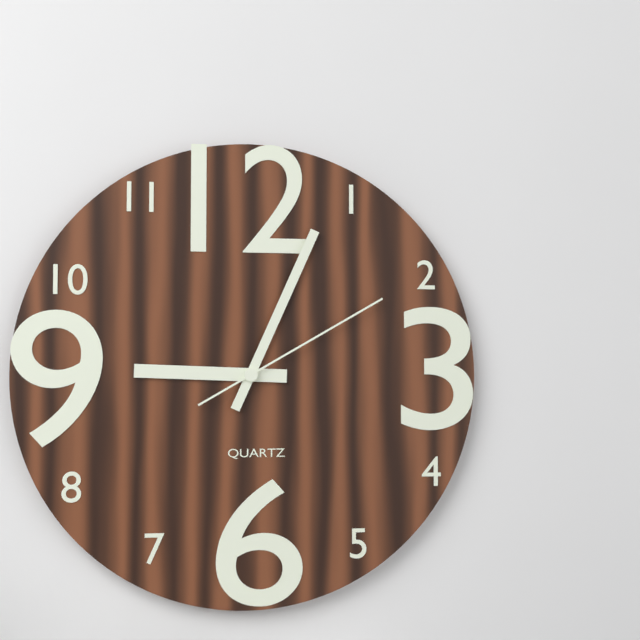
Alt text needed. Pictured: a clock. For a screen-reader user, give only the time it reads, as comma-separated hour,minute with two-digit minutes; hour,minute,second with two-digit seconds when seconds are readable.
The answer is 9,04,10
